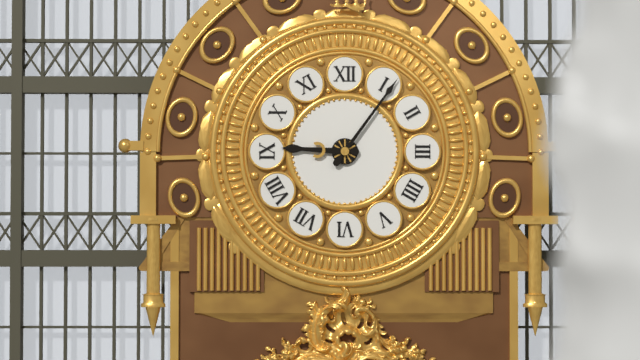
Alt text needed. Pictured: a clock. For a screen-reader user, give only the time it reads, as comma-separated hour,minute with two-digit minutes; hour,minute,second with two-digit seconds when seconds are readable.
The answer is 9,06
